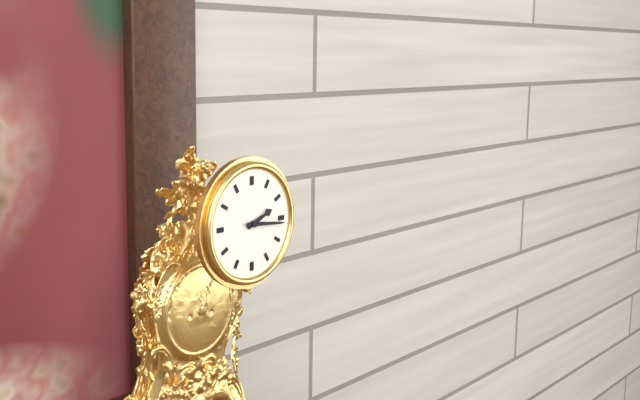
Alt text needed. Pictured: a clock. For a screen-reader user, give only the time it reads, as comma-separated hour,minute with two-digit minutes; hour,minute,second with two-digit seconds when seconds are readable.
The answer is 2,16
